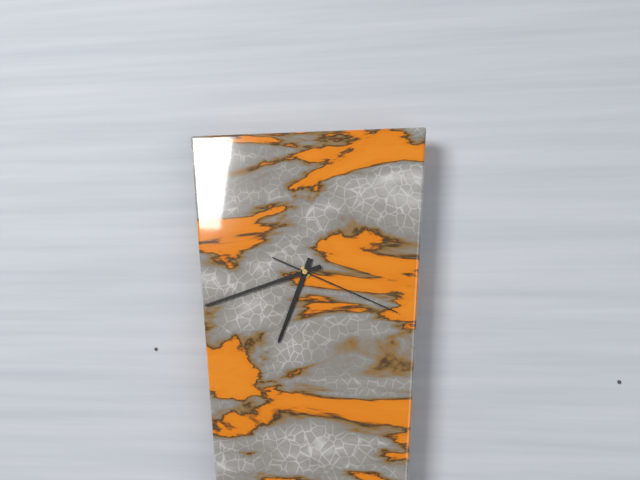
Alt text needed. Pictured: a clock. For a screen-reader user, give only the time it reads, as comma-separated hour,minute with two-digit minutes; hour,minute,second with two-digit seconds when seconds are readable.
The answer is 6,42,19
